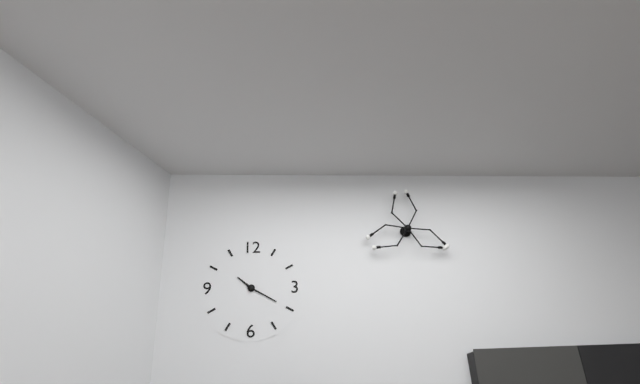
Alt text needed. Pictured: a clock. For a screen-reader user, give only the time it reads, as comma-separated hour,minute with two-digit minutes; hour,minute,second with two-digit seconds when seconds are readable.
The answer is 10,20
